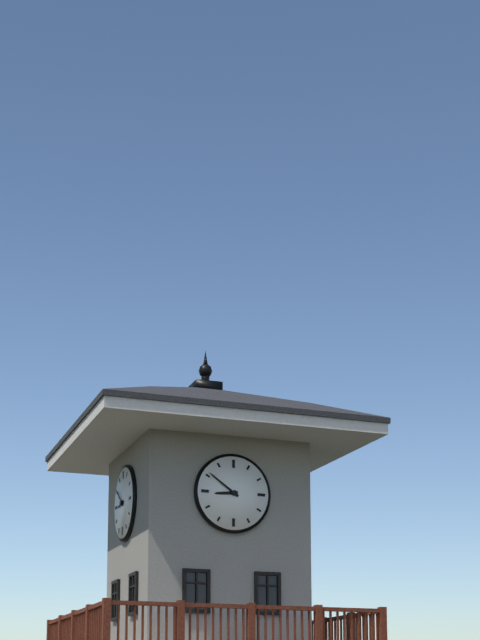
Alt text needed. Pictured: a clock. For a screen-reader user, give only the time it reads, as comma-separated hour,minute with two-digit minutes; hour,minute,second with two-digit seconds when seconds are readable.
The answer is 8,51
